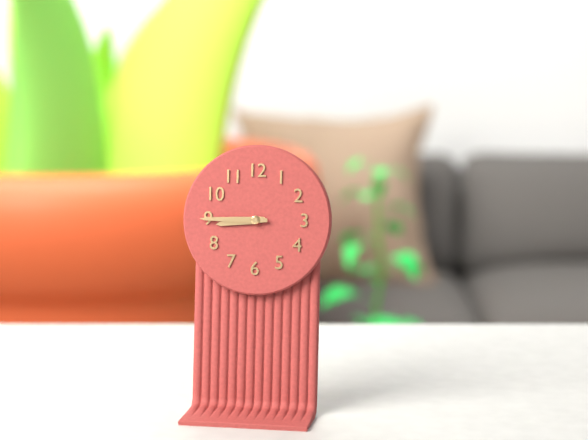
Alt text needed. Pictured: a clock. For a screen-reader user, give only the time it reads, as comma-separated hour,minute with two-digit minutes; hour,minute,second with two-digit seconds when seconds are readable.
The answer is 8,45
